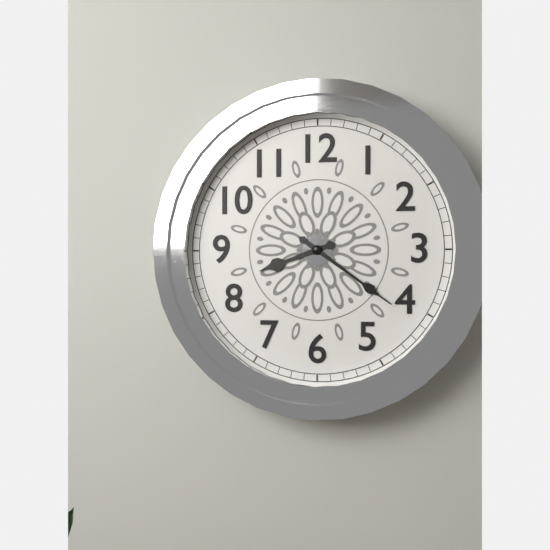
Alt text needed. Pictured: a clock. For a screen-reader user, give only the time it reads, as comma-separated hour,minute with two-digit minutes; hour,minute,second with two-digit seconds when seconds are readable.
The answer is 8,21
